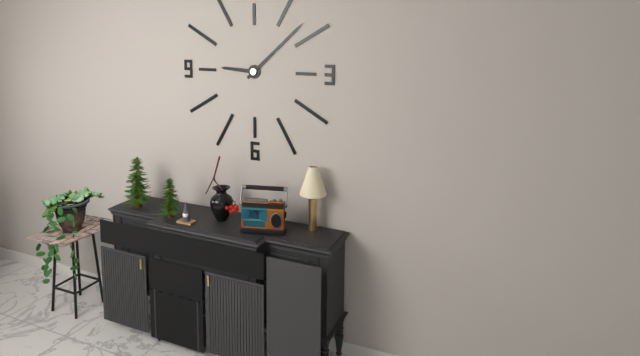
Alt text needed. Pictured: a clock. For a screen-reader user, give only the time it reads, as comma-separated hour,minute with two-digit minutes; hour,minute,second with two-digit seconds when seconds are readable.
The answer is 9,08
